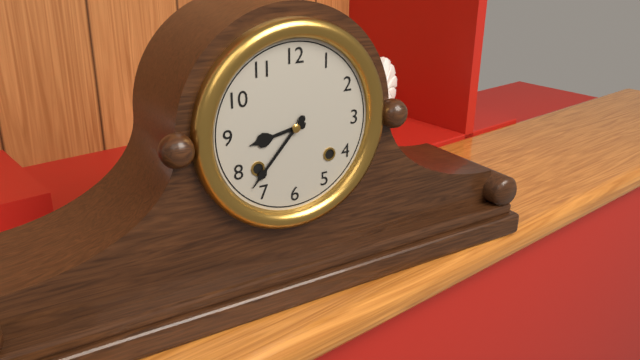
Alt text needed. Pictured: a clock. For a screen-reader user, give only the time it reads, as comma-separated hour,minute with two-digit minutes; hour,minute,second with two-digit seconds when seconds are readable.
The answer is 8,37
